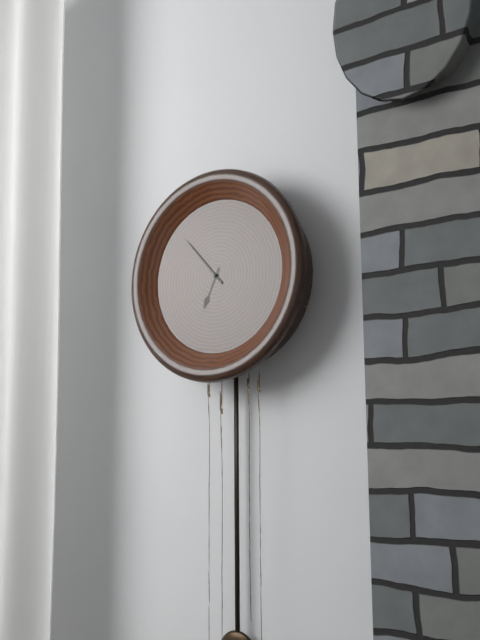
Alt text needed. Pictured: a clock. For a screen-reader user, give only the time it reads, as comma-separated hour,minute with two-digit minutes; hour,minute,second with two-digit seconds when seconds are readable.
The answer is 6,53
